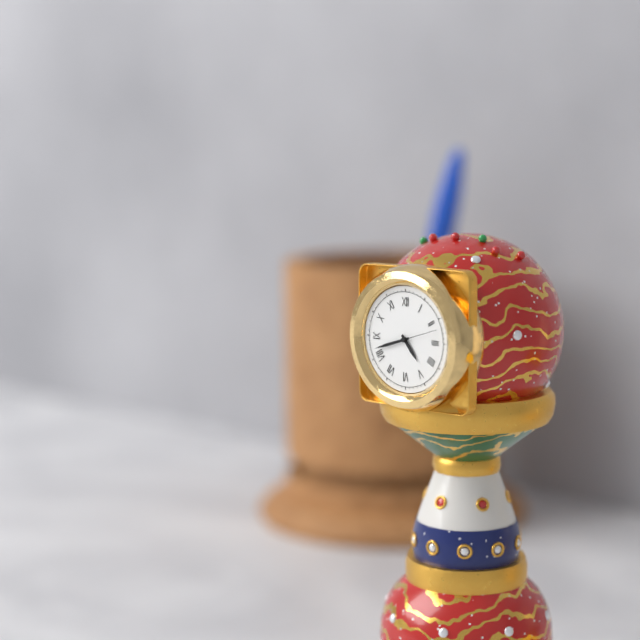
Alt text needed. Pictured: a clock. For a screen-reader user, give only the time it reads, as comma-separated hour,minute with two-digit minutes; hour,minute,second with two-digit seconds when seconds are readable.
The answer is 4,42
